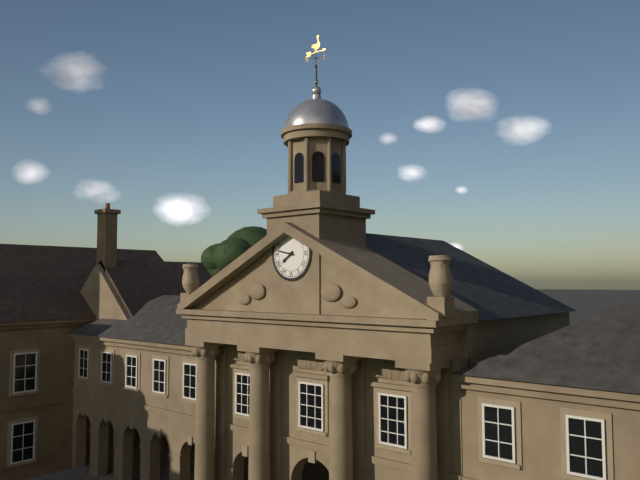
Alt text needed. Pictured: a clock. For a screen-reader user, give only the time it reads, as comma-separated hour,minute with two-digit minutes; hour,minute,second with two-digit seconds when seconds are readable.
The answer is 7,47
